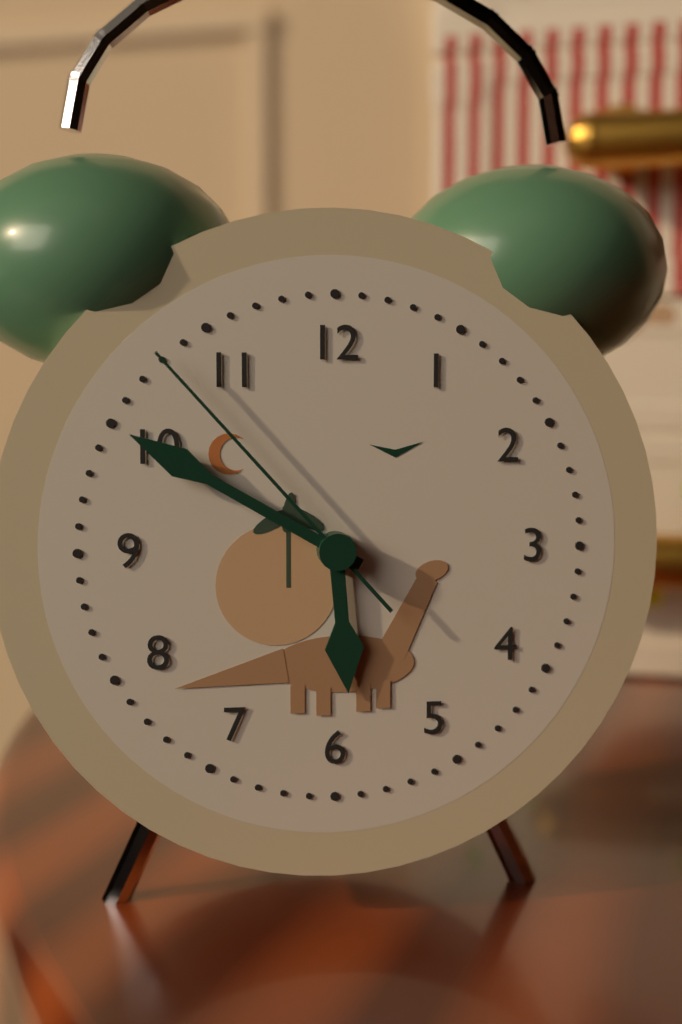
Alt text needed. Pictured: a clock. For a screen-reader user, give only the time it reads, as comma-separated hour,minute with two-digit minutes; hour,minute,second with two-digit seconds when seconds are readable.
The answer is 5,50,53
